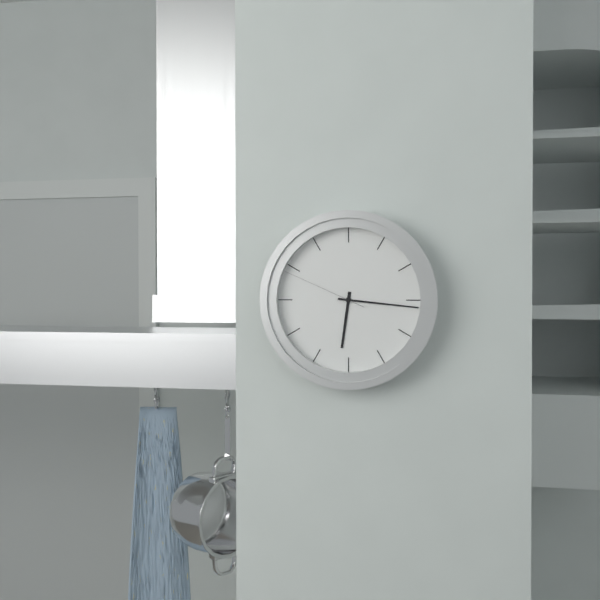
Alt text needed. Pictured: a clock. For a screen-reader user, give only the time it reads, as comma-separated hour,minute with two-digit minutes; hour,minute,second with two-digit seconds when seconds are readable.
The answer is 6,16,49
